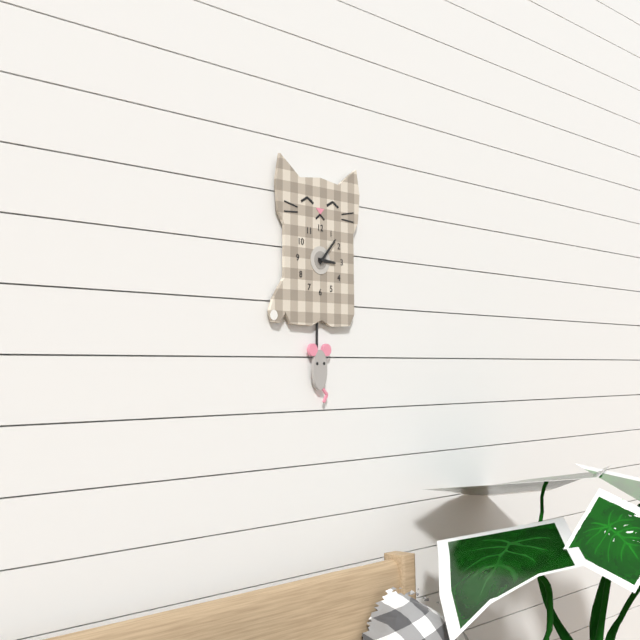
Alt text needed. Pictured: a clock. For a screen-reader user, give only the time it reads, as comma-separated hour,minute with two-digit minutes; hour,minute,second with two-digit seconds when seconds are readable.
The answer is 3,07
